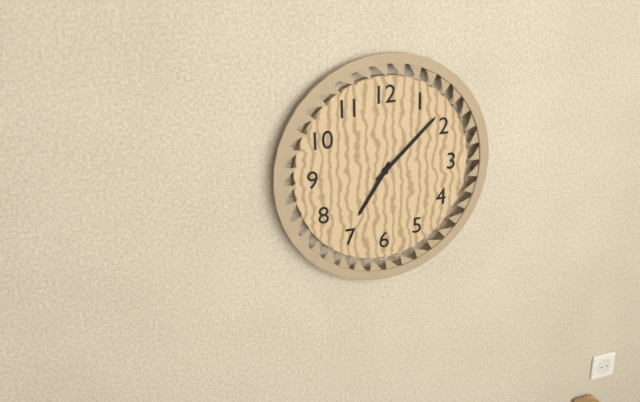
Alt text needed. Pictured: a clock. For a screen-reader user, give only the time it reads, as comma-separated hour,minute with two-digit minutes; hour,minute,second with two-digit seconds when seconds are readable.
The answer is 7,08
